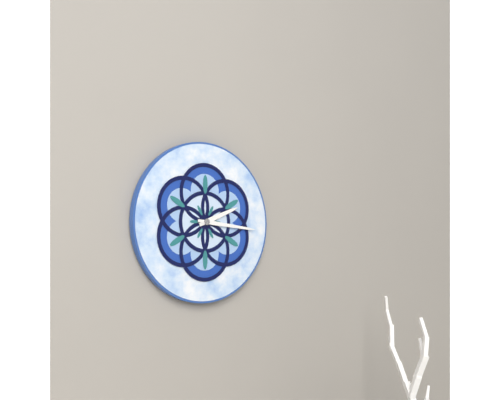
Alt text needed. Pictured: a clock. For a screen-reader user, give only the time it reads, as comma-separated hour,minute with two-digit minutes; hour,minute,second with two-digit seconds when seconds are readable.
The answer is 2,16
